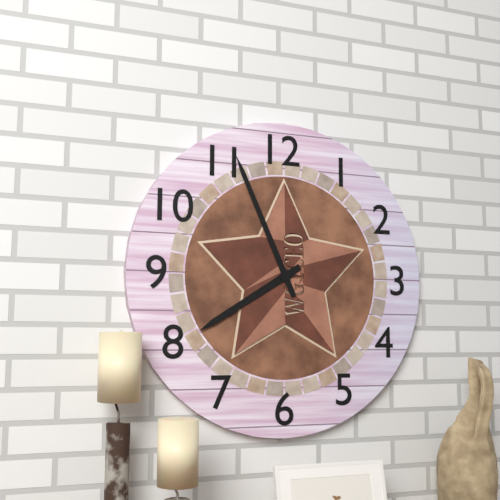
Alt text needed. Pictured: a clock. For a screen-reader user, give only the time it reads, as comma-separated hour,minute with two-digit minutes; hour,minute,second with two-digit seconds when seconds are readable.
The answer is 7,56
